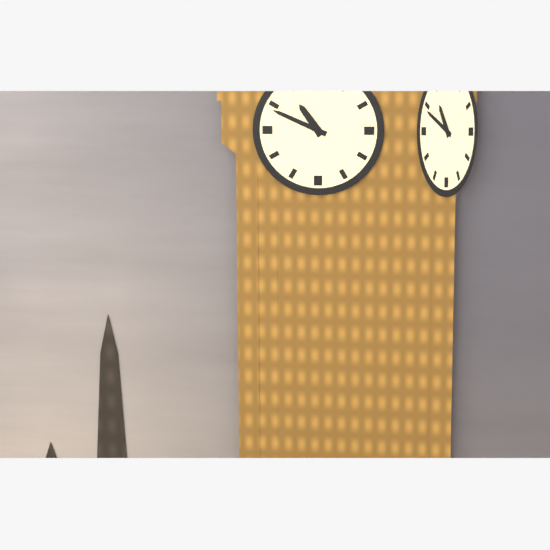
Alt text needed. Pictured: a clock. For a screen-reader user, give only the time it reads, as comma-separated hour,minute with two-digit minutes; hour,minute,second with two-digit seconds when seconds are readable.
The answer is 10,49
